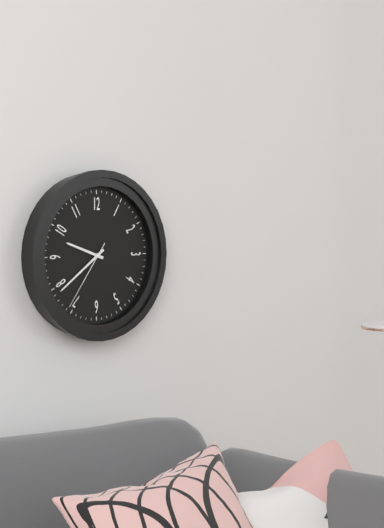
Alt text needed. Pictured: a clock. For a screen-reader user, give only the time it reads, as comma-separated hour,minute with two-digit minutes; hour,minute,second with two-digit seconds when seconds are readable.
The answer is 9,39,36
